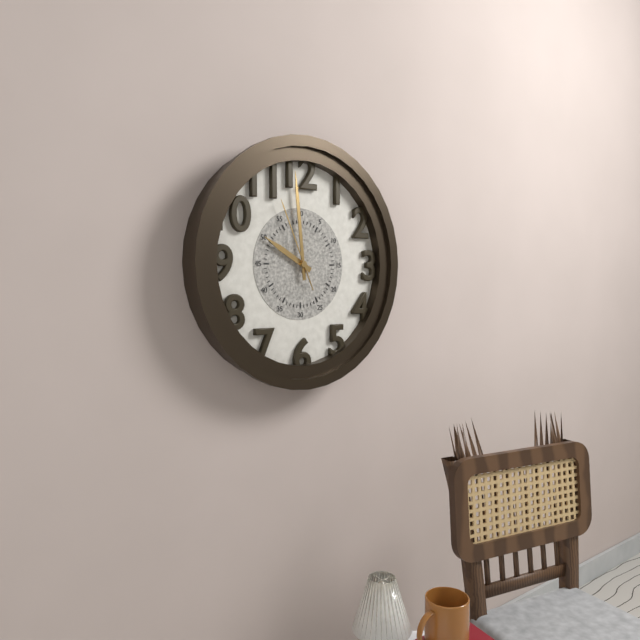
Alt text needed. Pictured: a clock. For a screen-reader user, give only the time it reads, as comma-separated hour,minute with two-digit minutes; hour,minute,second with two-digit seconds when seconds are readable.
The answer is 9,59,56
